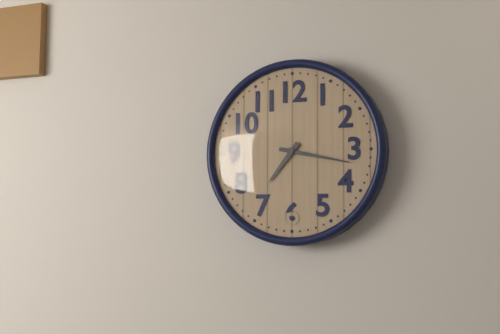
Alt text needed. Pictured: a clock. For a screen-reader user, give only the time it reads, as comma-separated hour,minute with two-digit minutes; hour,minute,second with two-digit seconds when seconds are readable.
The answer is 7,17
